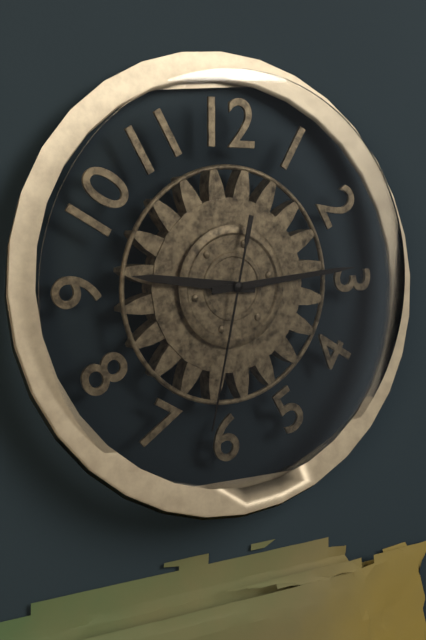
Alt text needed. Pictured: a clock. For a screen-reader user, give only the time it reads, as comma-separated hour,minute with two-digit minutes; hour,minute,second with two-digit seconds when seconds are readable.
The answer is 9,14,32
